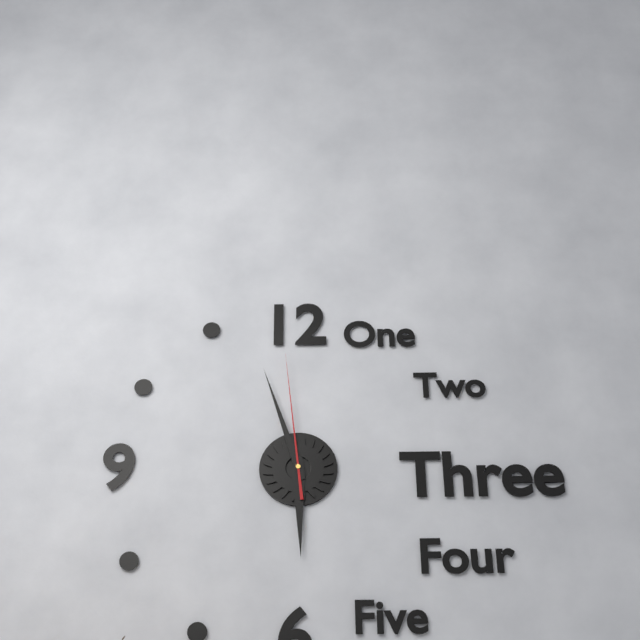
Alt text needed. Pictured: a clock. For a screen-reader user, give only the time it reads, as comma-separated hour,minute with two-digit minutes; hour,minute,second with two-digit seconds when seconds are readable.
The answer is 5,57,59
